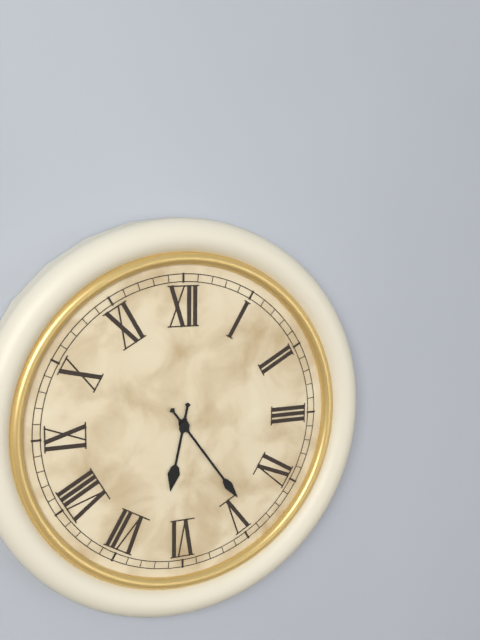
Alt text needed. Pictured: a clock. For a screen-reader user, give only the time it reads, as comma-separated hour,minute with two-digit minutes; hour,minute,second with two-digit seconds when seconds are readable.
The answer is 6,24
